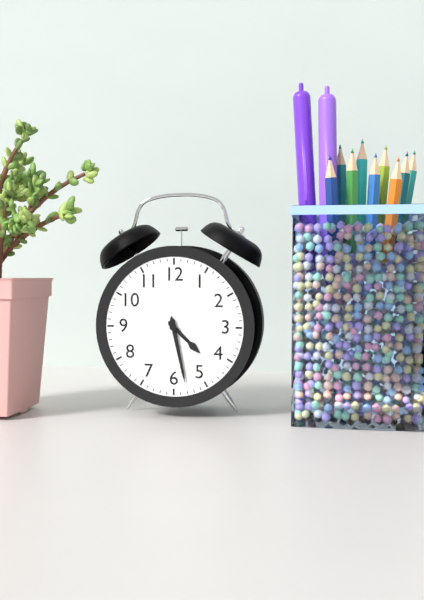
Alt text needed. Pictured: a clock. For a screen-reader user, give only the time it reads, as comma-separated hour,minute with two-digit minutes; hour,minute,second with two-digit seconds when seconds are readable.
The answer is 4,28
